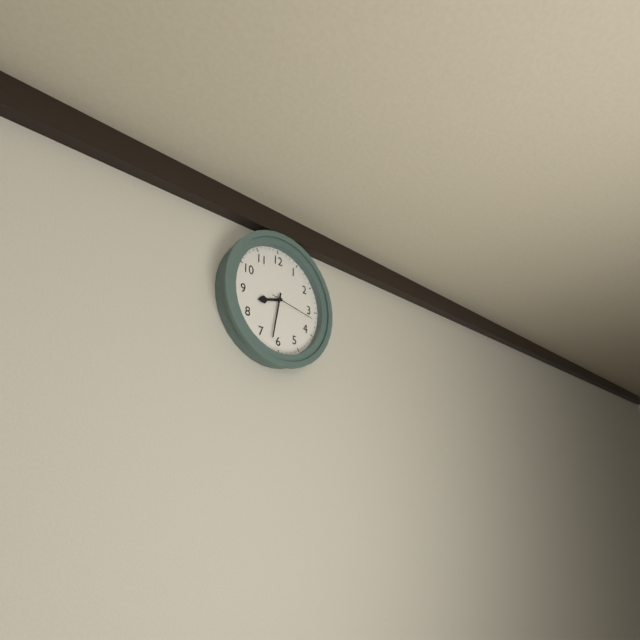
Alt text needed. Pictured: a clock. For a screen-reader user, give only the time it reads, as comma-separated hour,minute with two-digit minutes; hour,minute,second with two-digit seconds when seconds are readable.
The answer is 8,32
